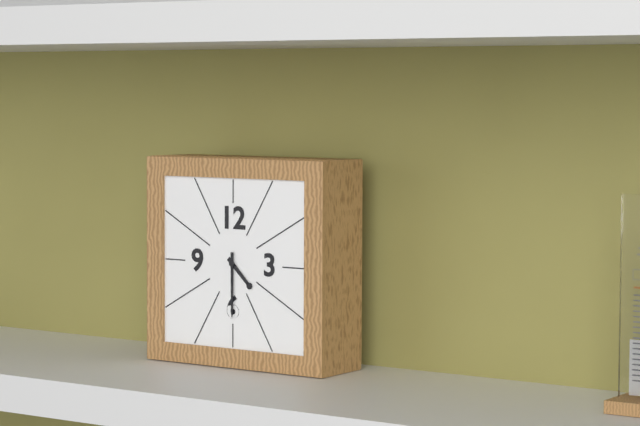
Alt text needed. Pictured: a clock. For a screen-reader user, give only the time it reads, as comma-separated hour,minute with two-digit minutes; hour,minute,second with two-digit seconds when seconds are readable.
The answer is 4,30
